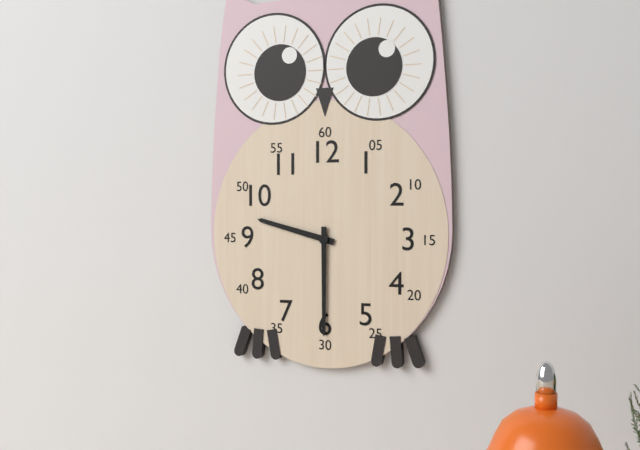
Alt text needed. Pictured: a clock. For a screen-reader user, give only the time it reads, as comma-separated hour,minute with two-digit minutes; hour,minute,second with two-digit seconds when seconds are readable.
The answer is 9,30
